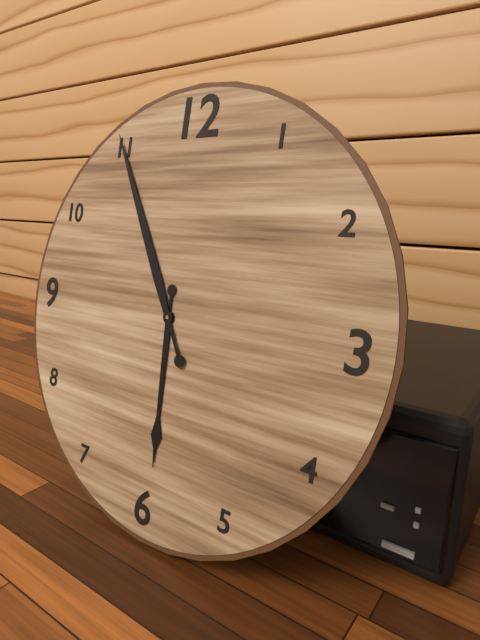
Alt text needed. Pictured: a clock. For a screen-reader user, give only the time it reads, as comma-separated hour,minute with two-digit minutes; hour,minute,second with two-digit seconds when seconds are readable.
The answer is 5,55
